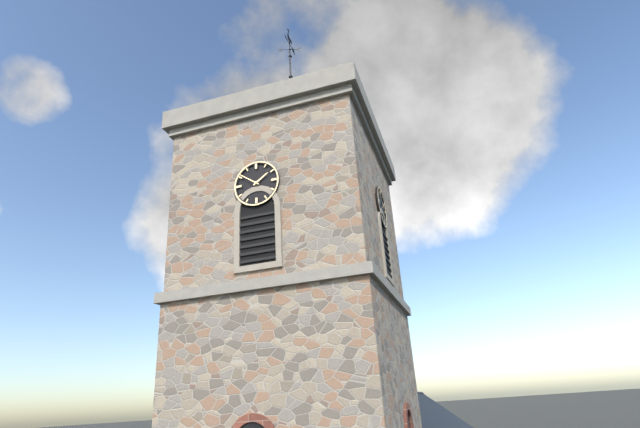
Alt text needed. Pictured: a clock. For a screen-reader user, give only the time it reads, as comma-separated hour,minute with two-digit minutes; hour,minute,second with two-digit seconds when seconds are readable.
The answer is 1,51
